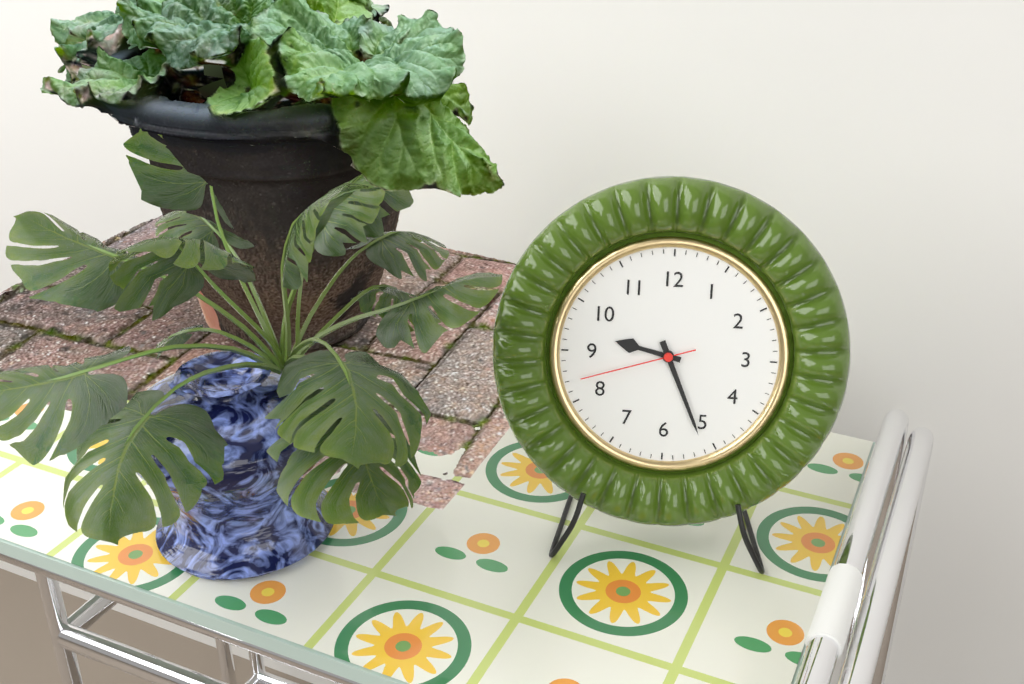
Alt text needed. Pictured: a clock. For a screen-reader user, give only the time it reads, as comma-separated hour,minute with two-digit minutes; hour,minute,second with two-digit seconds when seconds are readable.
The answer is 9,26,42
